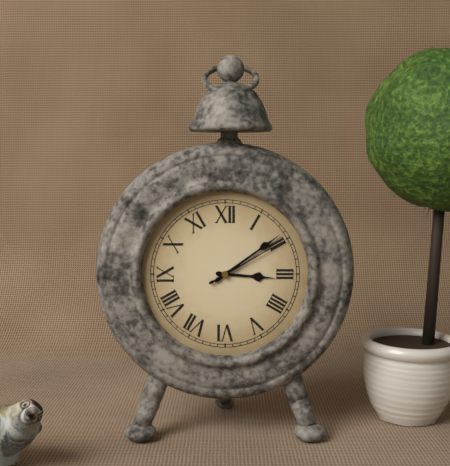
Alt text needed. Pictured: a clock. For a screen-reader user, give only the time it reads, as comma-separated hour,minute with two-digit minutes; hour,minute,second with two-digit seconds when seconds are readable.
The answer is 3,09,10
